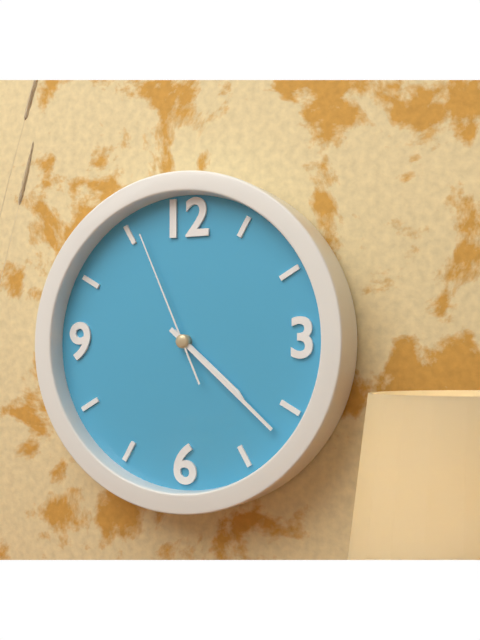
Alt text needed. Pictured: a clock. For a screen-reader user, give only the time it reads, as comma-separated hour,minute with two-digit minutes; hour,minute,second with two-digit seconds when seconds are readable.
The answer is 4,22,56
